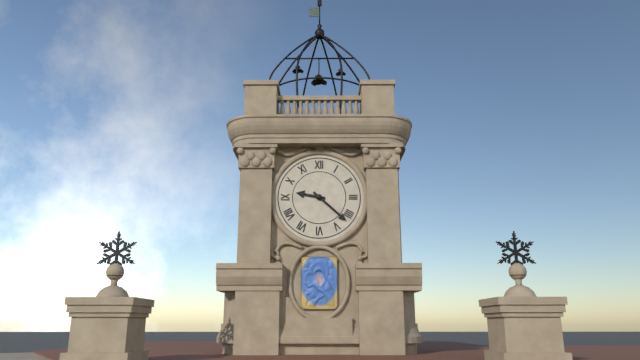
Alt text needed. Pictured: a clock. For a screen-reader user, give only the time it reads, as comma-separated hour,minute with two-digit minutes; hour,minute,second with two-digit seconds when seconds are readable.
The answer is 9,22
